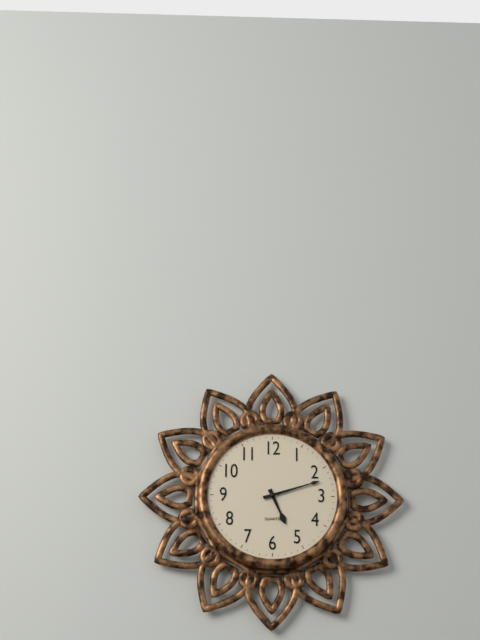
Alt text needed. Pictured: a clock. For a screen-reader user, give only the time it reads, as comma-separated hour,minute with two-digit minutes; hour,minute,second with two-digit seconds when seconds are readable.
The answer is 5,12
